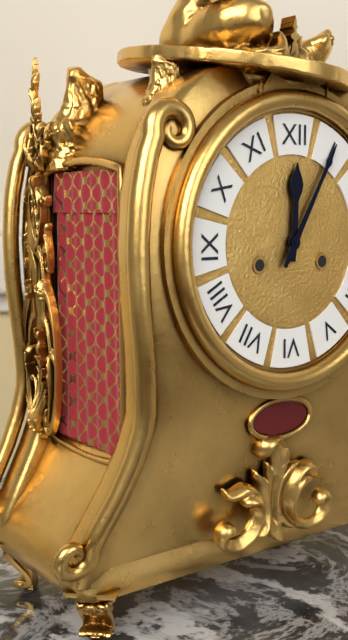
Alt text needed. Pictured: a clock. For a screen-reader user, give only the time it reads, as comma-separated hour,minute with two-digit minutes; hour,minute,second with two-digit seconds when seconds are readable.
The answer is 12,05
